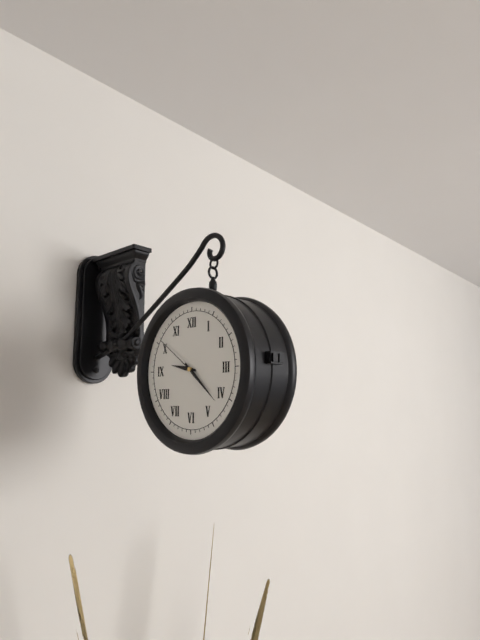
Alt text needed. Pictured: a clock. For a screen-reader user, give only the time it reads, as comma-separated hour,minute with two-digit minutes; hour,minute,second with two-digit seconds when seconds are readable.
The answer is 9,22,51
